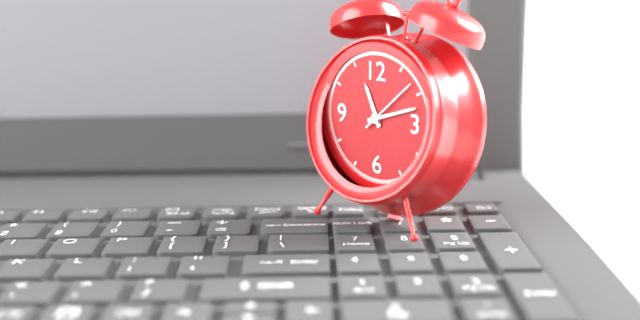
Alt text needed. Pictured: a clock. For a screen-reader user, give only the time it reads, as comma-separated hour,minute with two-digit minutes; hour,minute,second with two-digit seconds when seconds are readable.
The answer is 11,12,08
